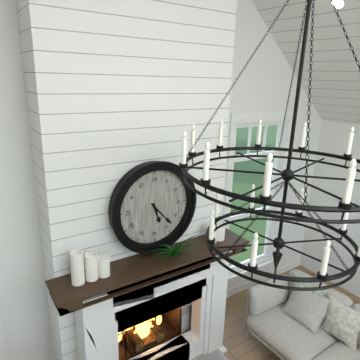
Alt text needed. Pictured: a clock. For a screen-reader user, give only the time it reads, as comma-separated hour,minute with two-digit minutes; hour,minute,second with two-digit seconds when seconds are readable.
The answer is 5,23
